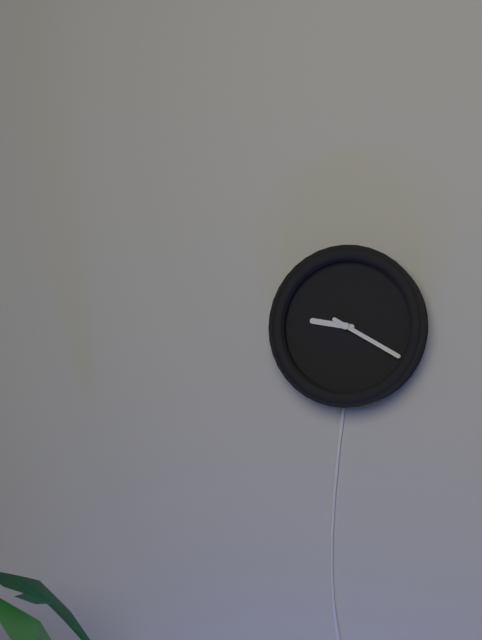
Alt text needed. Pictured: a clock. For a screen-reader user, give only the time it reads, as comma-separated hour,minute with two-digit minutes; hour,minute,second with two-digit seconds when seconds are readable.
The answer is 9,20
